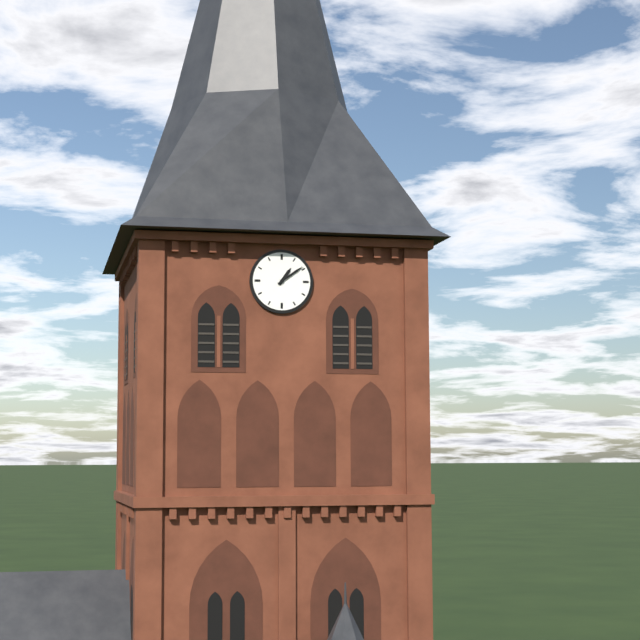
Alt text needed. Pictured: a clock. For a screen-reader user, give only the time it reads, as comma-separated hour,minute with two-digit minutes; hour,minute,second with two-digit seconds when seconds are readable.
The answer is 1,09
